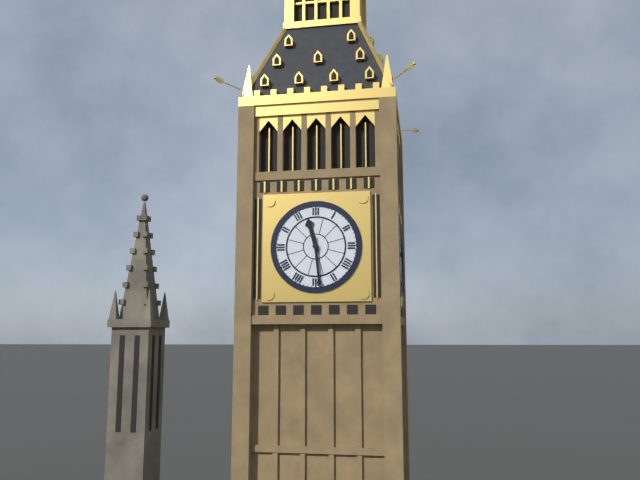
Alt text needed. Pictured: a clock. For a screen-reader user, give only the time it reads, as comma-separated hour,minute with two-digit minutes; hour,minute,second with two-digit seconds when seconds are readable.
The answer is 11,29
